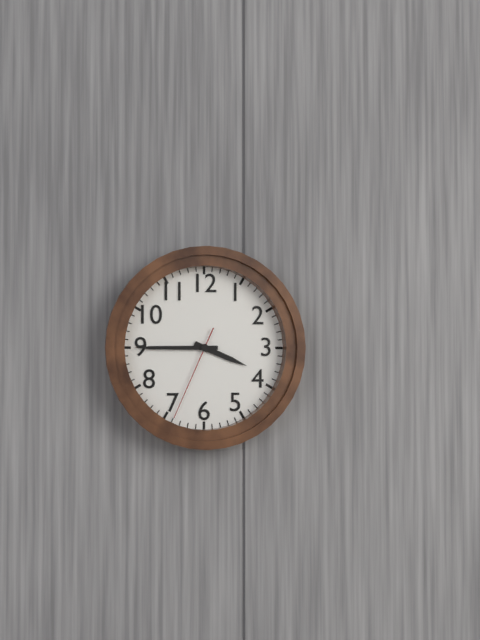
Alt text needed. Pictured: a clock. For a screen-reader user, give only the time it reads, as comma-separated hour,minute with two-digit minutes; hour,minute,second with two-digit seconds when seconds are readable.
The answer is 3,45,34
